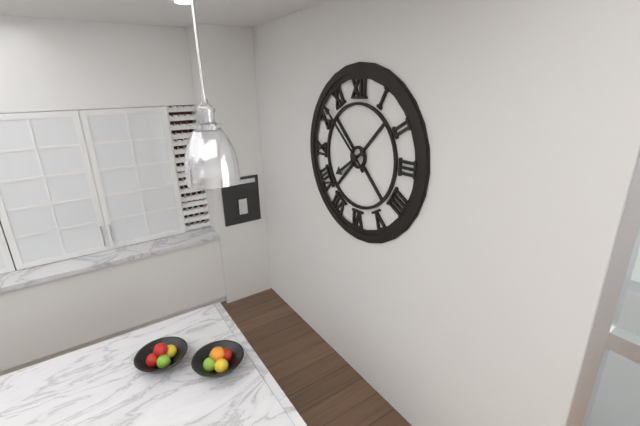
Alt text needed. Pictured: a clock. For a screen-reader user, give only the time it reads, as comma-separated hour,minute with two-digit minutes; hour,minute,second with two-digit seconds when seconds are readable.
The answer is 7,52
